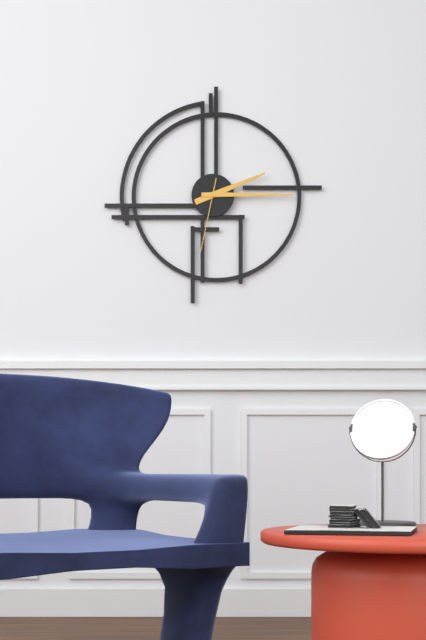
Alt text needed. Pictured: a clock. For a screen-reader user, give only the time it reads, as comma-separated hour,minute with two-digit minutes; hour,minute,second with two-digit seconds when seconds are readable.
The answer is 2,15,32
